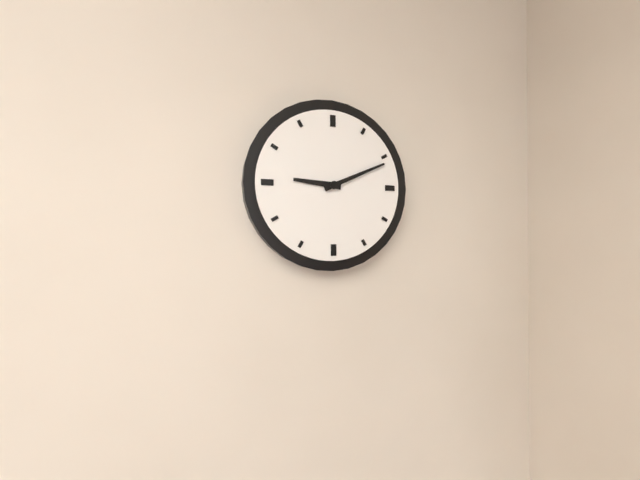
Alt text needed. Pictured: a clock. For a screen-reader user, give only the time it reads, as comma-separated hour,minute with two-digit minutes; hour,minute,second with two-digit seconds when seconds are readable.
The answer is 9,11
